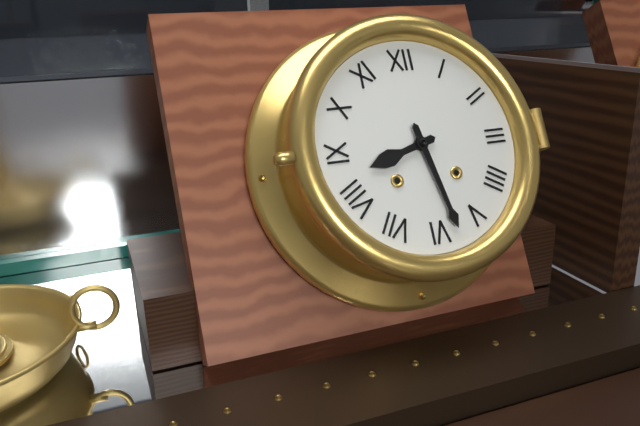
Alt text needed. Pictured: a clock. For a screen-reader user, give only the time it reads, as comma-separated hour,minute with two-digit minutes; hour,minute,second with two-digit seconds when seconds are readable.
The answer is 8,28
